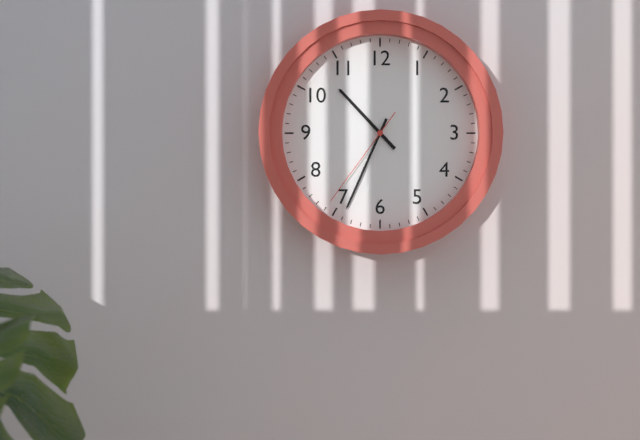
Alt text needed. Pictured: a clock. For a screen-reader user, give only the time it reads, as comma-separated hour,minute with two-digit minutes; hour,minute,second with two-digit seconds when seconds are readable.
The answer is 10,34,36
